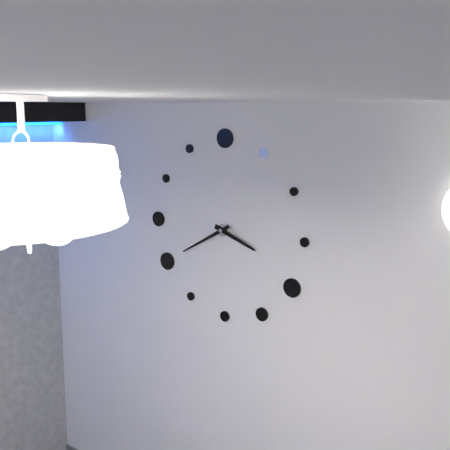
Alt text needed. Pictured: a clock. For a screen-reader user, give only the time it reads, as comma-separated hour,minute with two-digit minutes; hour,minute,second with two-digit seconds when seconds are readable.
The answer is 3,40
